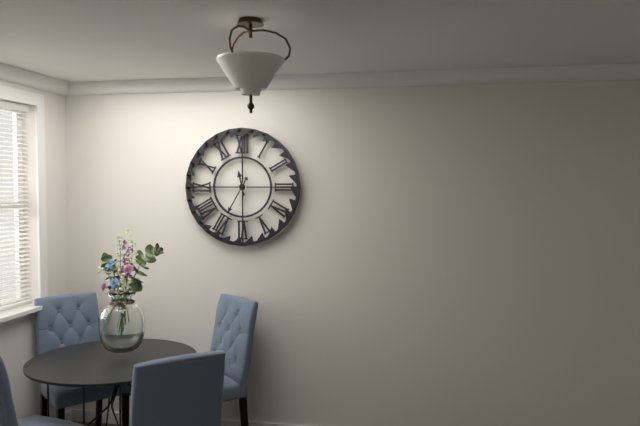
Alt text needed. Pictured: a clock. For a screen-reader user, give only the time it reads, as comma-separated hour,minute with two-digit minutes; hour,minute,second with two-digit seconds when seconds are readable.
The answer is 11,35
